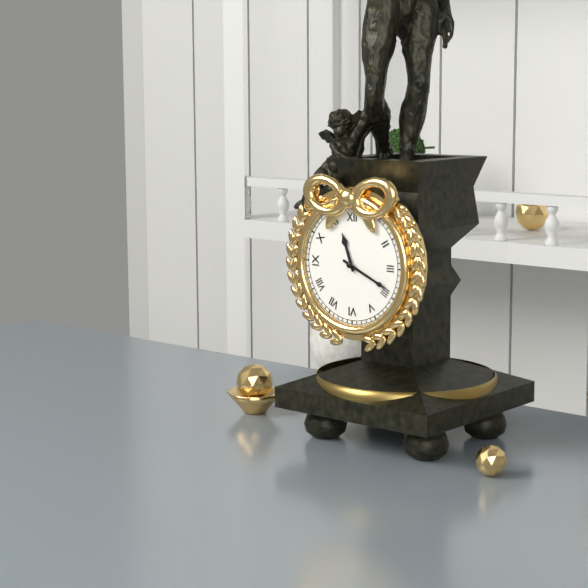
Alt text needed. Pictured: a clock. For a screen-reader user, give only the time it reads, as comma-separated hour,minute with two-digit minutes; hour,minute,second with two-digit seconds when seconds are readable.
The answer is 11,19
